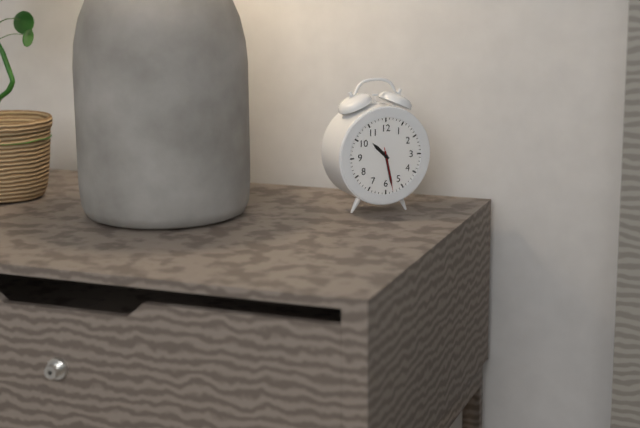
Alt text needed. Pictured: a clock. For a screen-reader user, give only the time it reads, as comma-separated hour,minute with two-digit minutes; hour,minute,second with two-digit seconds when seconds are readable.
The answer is 10,28
